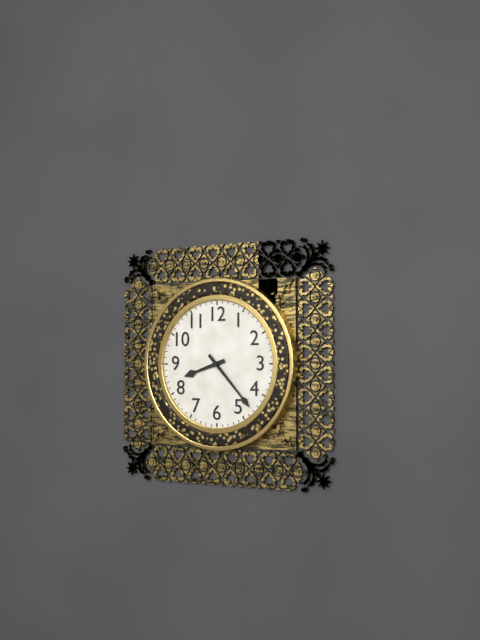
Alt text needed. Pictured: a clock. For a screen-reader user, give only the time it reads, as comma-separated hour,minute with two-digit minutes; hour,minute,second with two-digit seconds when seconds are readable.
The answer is 8,23
